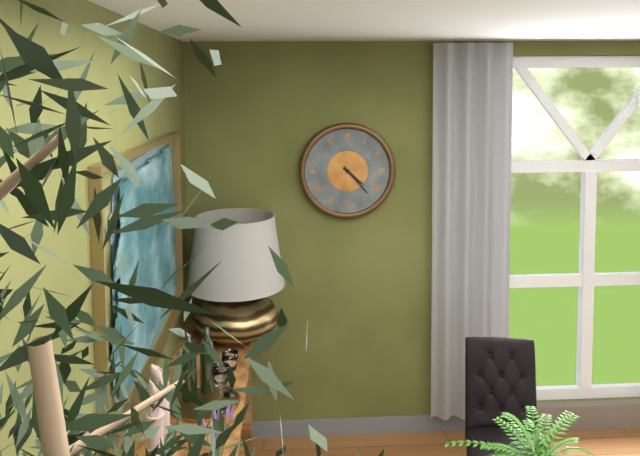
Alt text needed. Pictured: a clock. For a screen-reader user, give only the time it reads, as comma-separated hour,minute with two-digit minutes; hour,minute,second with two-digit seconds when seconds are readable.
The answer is 4,23
